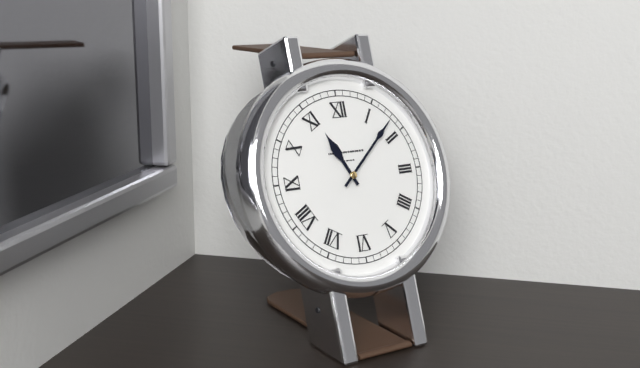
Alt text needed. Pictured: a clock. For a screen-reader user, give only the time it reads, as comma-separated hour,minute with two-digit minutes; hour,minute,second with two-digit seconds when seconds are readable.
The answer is 11,08
